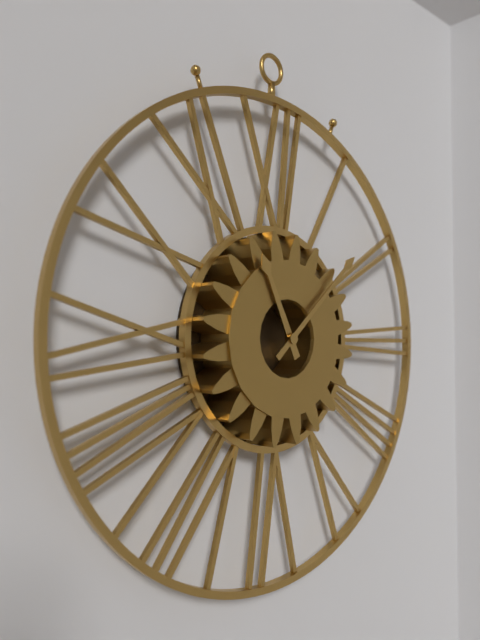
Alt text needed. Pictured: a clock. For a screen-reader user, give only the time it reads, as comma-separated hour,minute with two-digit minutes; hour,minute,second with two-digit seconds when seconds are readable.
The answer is 11,08
